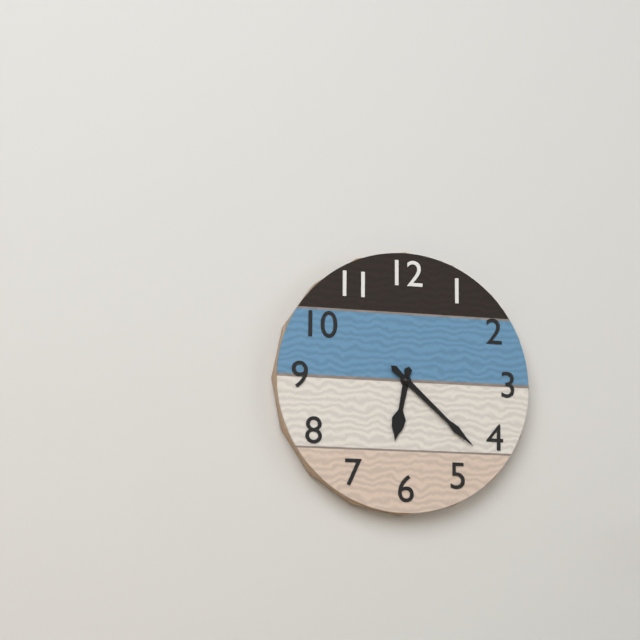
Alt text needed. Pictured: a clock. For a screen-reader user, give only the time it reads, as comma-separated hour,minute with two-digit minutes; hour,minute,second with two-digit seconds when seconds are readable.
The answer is 6,22
